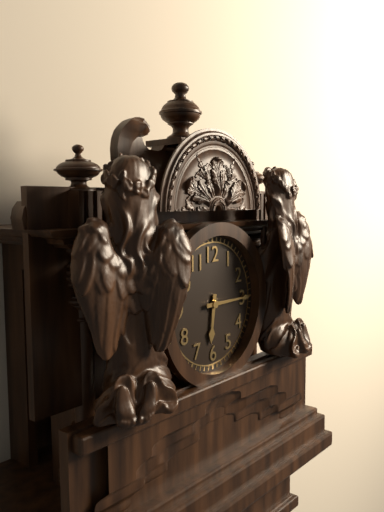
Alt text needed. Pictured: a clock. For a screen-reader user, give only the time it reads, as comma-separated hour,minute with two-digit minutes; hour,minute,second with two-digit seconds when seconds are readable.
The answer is 6,15
